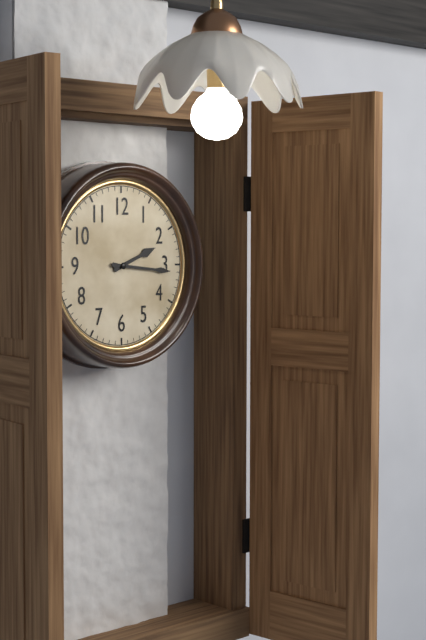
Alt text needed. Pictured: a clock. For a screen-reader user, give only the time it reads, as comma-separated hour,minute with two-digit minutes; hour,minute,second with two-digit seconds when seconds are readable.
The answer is 2,16
